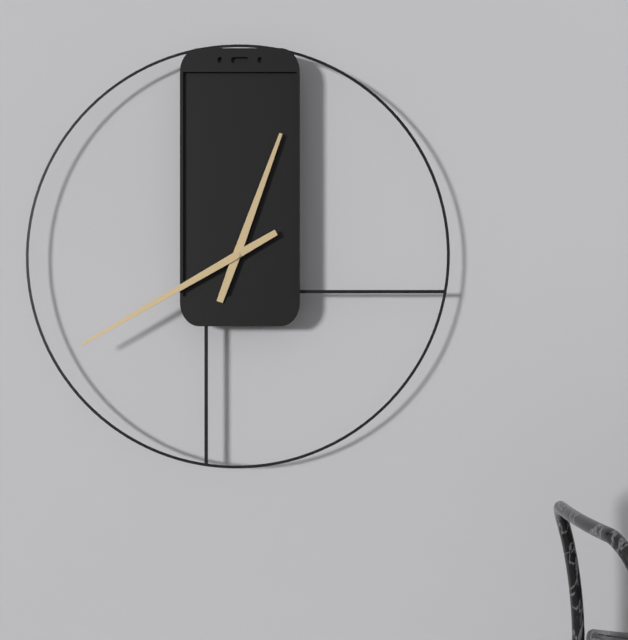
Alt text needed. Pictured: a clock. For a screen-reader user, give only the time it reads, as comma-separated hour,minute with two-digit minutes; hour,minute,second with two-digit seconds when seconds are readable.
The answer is 12,40
